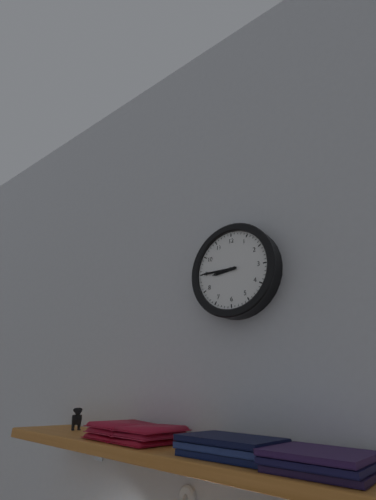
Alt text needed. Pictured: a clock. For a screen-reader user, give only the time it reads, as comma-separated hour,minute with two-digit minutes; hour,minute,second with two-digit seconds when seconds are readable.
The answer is 8,45
